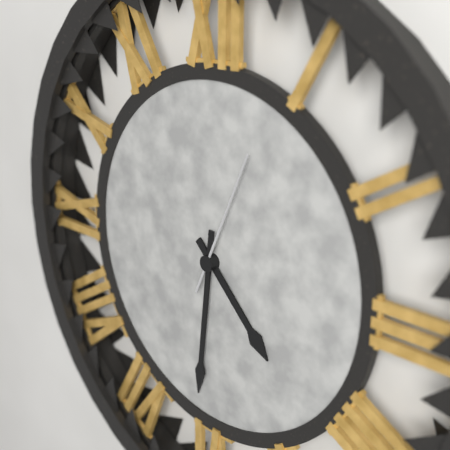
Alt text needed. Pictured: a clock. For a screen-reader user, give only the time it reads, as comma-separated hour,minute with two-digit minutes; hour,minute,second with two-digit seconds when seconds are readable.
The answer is 4,31,04
